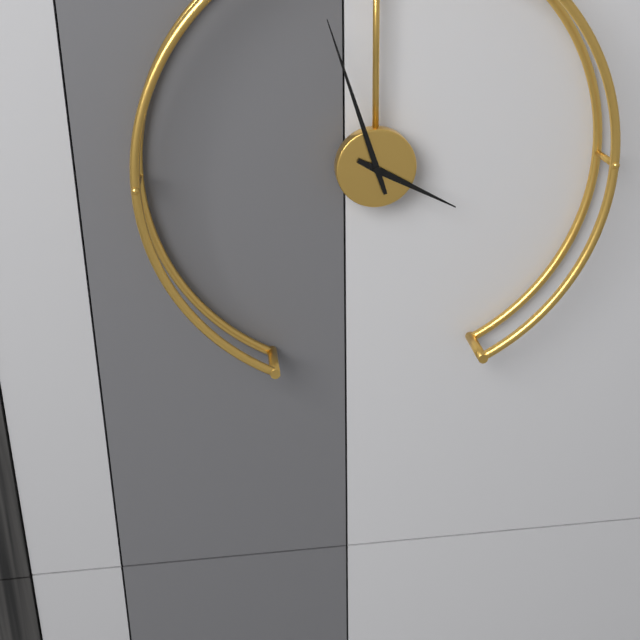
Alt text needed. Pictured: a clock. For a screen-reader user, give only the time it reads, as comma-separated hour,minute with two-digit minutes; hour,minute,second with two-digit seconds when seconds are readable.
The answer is 3,57
